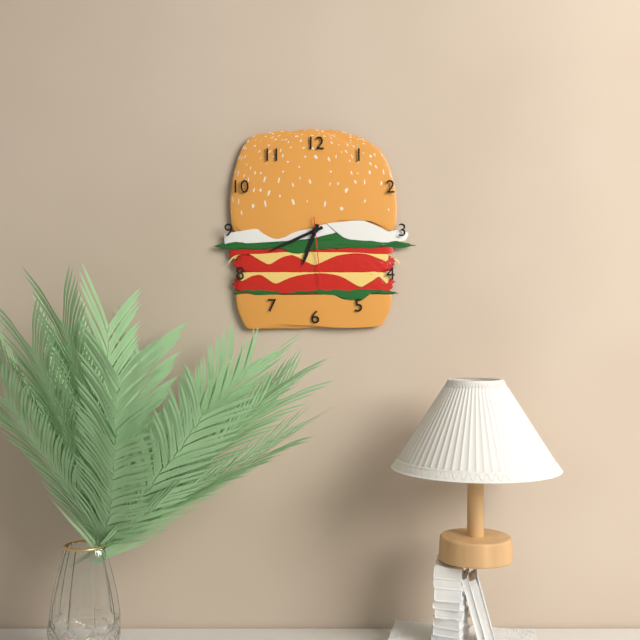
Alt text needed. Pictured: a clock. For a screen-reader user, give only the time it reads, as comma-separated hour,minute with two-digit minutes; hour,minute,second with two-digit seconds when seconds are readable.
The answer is 6,41,29
